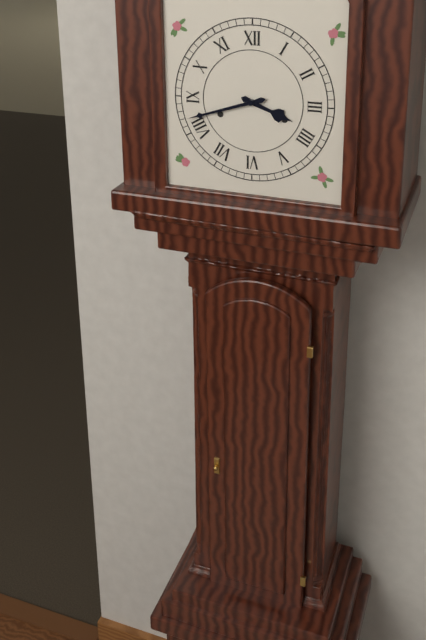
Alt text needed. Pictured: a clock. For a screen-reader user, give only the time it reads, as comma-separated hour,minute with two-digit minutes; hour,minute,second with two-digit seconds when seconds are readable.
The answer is 3,42
